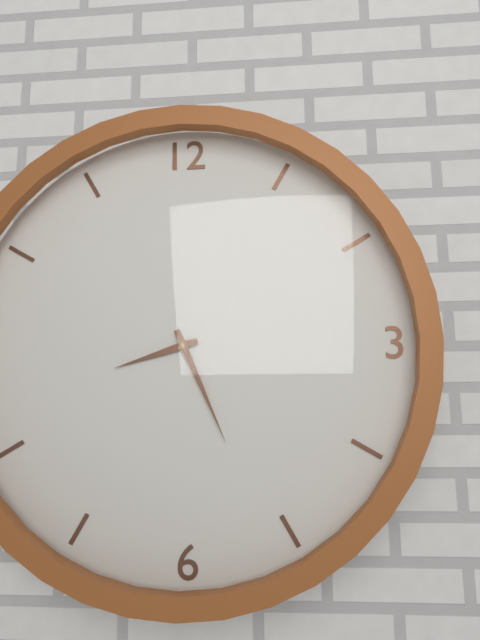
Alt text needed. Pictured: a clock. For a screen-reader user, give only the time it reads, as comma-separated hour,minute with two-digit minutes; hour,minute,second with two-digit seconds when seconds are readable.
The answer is 8,26
